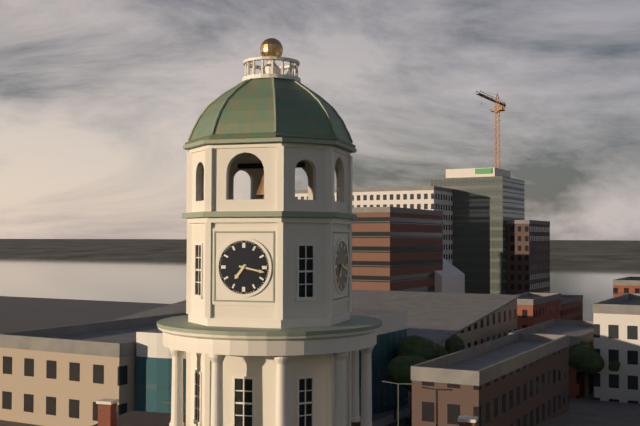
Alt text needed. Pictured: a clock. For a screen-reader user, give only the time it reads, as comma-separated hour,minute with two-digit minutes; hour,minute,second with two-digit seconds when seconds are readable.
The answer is 7,17
